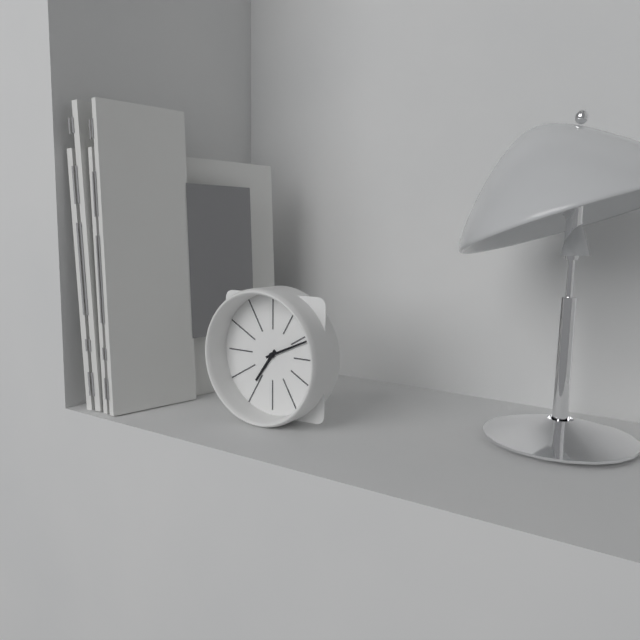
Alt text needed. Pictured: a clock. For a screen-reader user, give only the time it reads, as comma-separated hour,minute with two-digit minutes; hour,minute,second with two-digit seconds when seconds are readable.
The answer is 7,11
